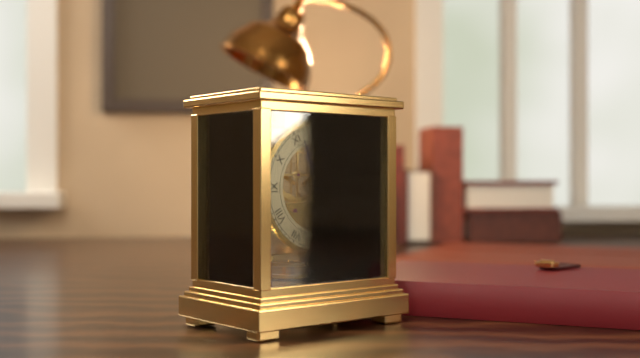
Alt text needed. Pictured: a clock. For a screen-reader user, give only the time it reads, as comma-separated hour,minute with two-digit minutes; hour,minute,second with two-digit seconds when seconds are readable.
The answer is 12,56
